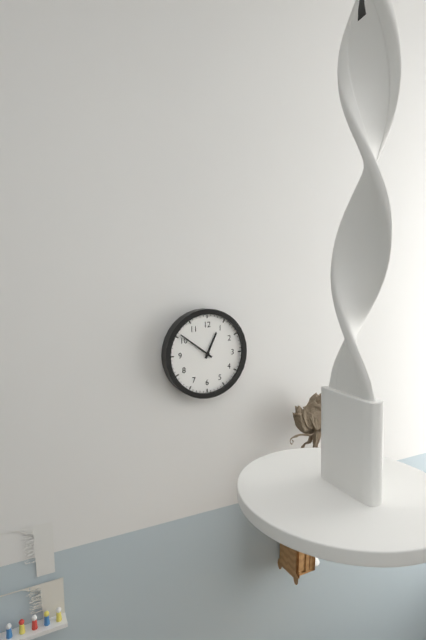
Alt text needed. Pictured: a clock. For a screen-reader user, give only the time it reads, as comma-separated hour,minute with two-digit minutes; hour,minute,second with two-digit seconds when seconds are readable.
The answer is 12,51
